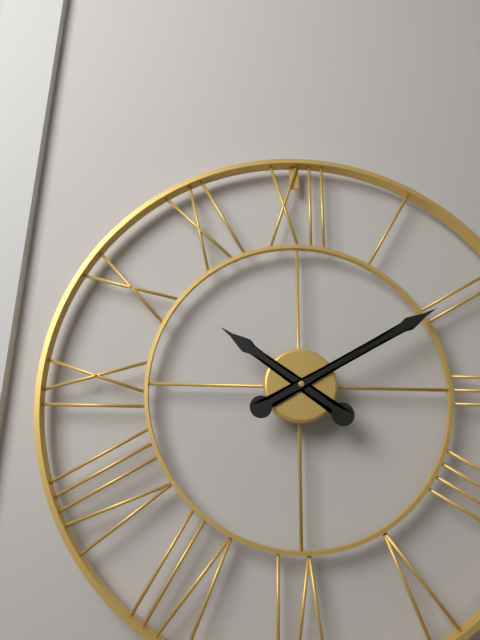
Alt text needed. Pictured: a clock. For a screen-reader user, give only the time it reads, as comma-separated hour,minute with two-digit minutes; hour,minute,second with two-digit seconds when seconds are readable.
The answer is 10,10
